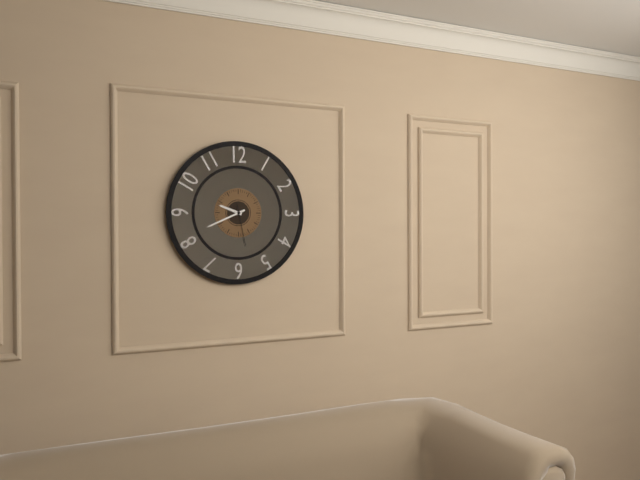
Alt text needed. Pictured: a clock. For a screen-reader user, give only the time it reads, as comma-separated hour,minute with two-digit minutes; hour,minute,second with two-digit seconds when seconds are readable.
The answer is 9,41
